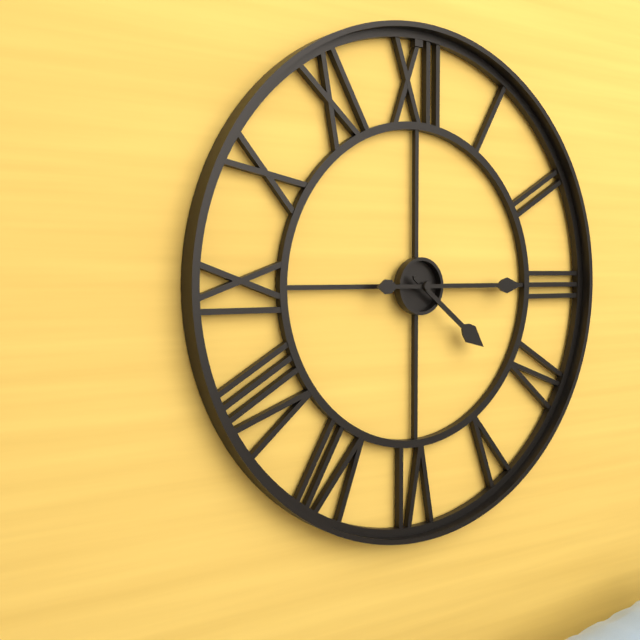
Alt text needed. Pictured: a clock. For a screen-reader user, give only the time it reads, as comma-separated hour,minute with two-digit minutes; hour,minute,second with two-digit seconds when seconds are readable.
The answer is 4,15
